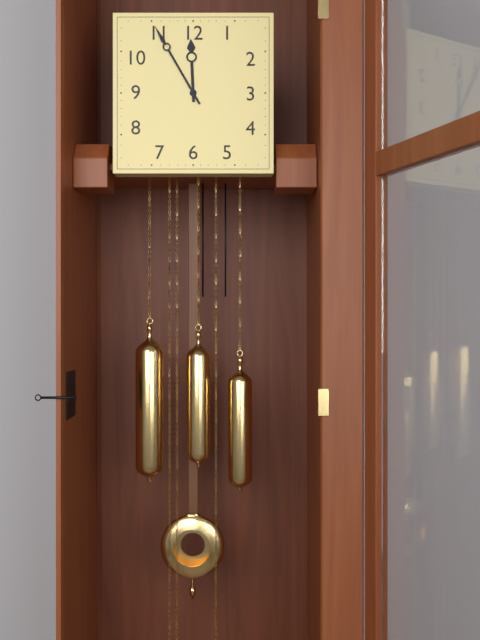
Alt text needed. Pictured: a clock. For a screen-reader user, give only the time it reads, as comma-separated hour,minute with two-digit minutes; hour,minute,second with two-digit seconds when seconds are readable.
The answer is 11,55
